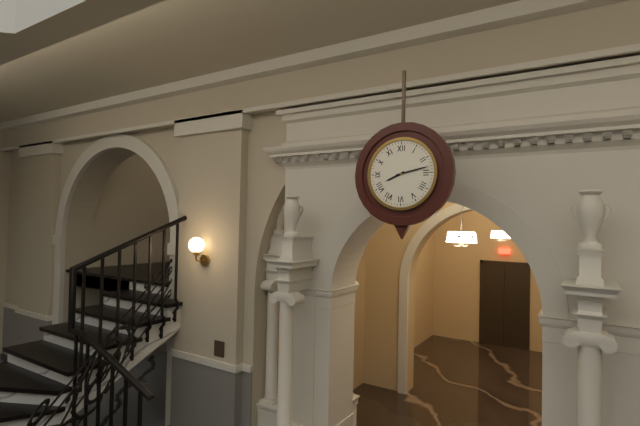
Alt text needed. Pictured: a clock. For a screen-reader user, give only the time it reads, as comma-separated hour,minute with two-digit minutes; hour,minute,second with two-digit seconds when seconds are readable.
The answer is 8,13
